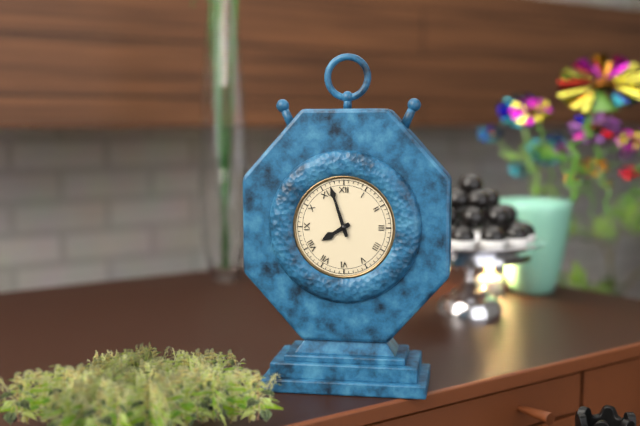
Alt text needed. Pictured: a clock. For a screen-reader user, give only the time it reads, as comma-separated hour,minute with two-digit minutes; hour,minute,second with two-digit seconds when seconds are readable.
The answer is 7,57
